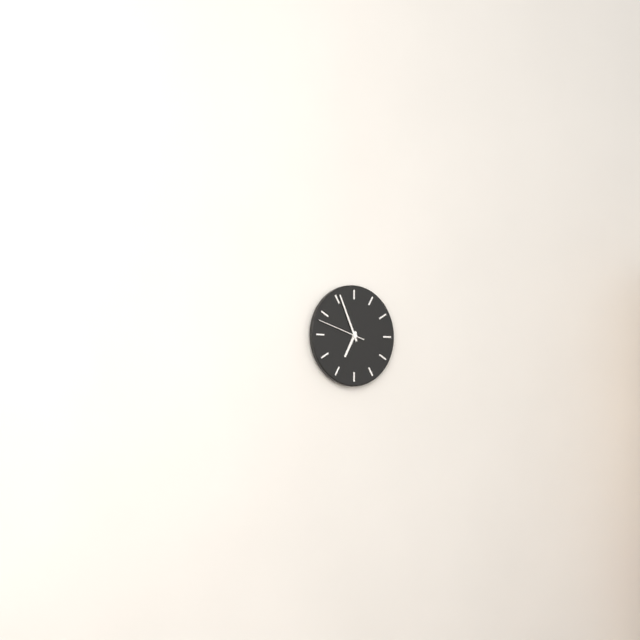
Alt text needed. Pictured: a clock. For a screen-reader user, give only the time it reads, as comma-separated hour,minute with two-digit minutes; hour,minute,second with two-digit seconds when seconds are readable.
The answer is 6,56
